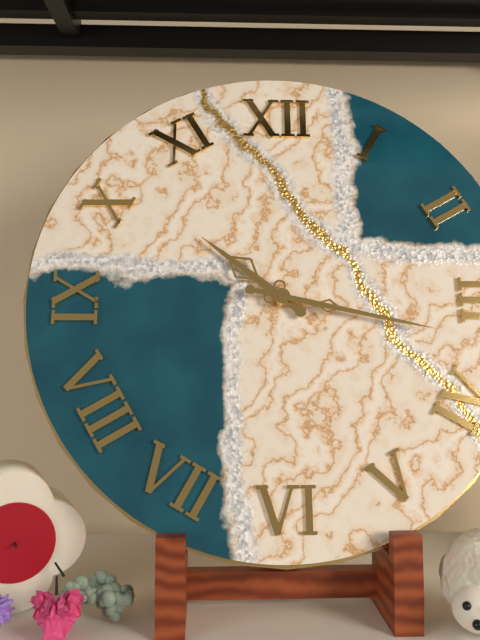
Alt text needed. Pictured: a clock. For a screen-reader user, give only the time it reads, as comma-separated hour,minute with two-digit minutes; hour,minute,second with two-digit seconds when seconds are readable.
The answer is 10,17
